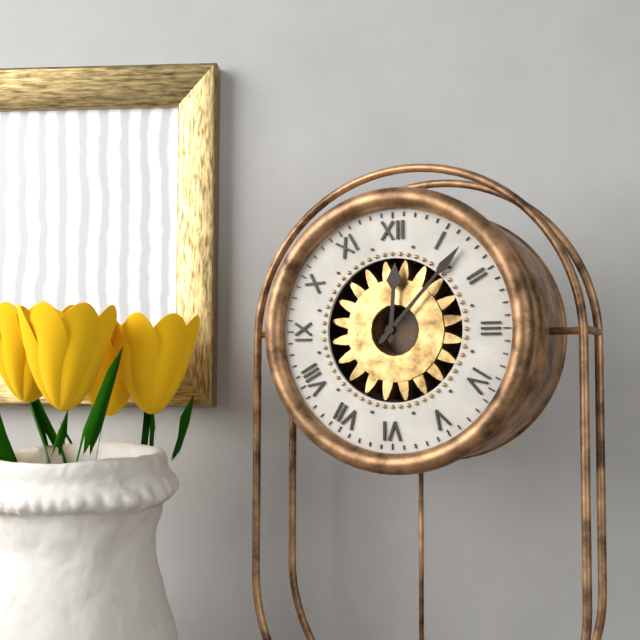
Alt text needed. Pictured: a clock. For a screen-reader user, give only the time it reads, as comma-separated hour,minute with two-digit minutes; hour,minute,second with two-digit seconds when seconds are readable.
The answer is 12,07
